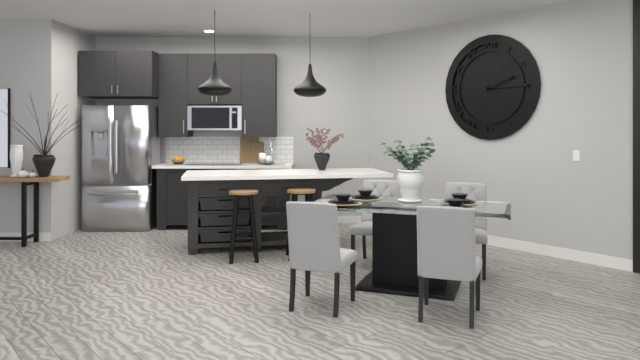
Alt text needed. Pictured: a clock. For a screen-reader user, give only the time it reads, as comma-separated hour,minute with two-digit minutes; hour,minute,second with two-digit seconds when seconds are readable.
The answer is 2,15,07
